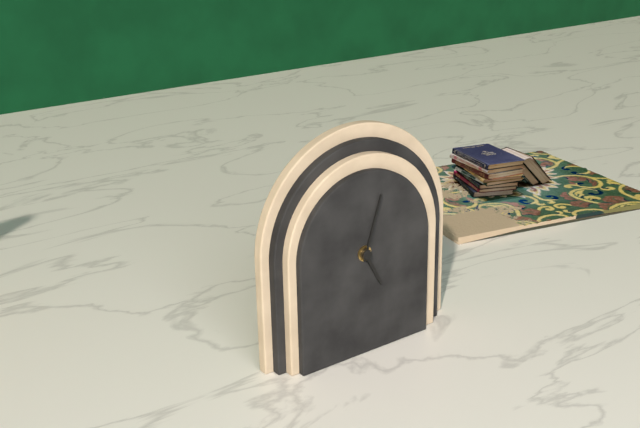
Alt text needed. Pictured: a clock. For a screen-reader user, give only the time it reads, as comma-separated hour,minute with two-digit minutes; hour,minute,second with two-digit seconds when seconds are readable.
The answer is 5,03
